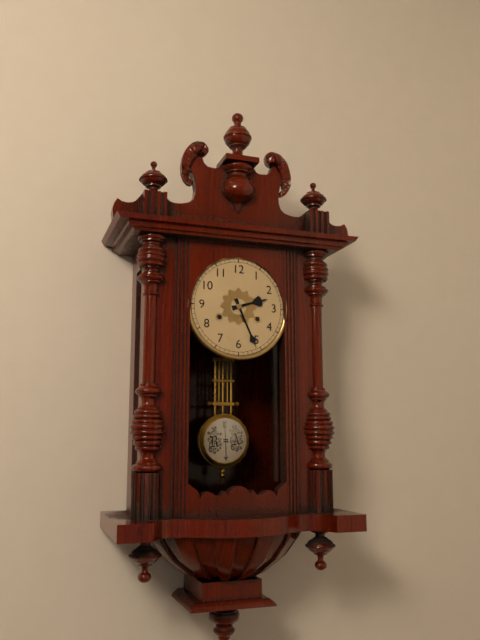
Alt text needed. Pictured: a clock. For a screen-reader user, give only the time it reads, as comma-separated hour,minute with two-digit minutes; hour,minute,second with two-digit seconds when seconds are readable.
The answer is 2,26
